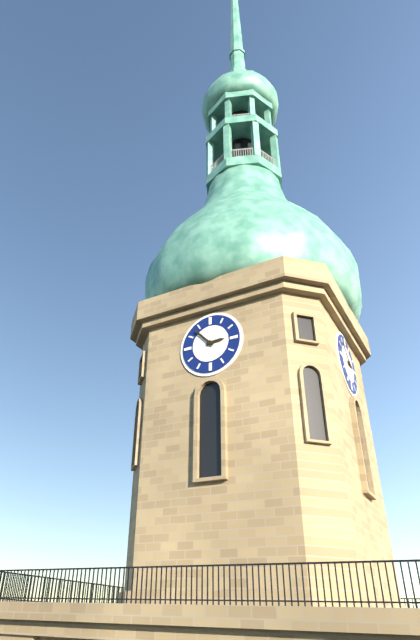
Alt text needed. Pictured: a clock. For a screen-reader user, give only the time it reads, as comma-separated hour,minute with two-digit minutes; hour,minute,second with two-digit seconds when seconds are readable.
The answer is 2,53
